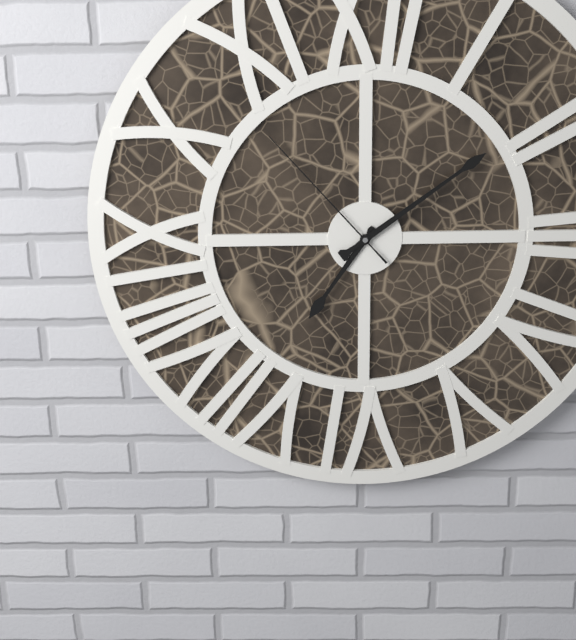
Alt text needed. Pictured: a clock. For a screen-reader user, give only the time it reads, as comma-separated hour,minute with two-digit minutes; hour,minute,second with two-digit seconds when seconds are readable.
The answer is 7,09,53
